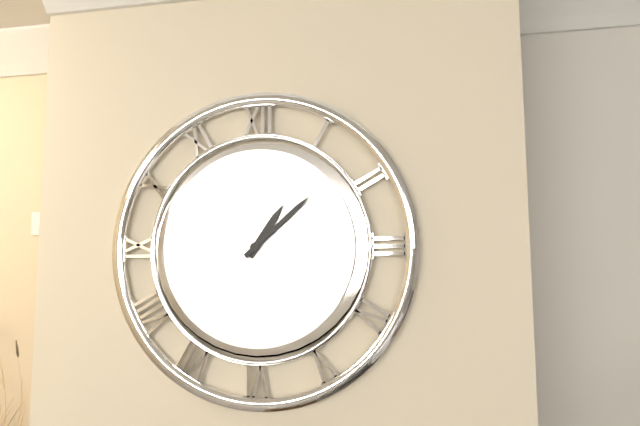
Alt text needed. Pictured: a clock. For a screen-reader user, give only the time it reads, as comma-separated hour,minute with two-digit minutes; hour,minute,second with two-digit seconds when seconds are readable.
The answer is 1,08
